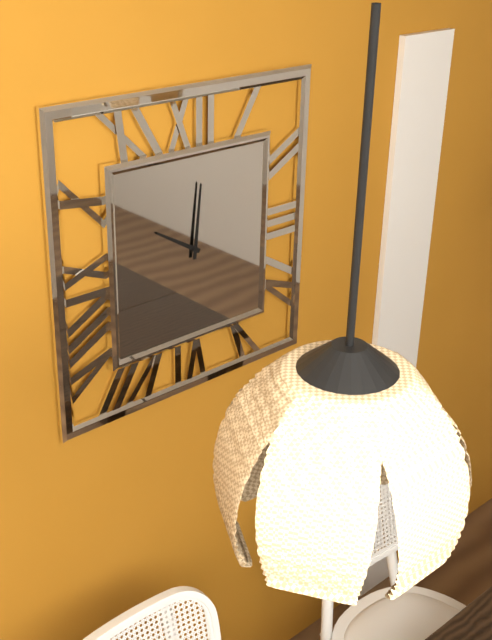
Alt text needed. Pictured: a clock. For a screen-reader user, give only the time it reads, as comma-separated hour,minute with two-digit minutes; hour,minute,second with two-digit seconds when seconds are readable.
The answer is 10,01
